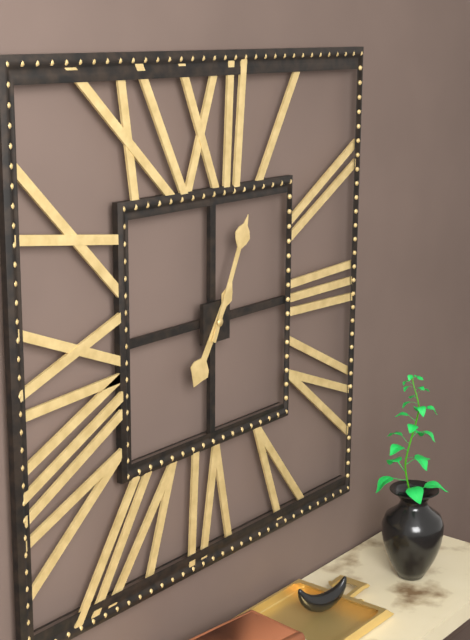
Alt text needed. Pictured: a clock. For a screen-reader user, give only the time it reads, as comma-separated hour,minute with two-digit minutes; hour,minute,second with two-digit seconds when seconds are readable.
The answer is 7,04
